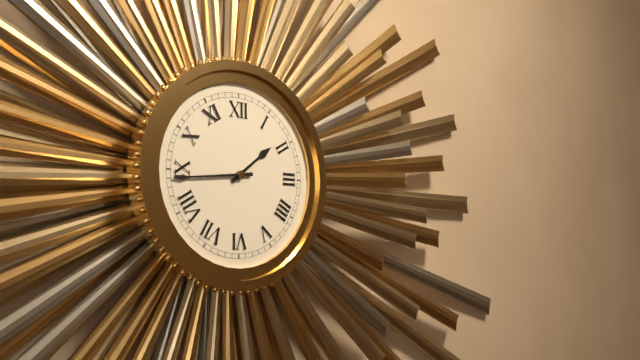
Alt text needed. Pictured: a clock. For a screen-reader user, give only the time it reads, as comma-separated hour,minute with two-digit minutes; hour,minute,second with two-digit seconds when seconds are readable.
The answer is 1,44
